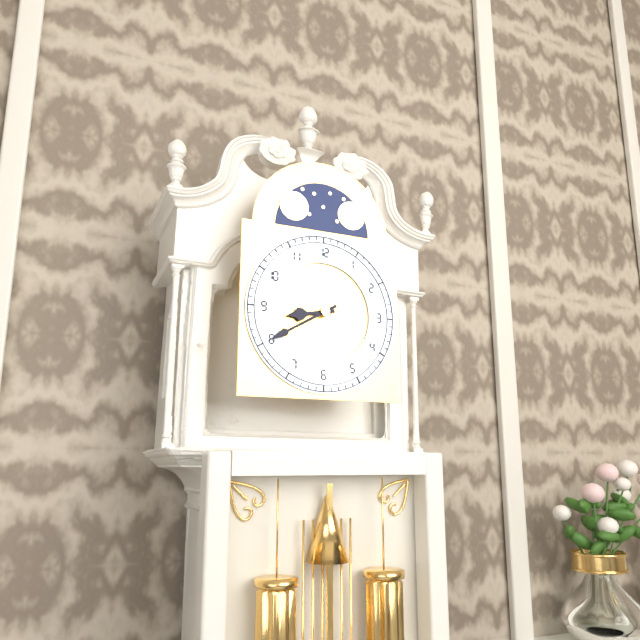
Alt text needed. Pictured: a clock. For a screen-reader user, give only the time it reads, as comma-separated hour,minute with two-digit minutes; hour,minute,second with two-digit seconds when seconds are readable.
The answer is 8,40
